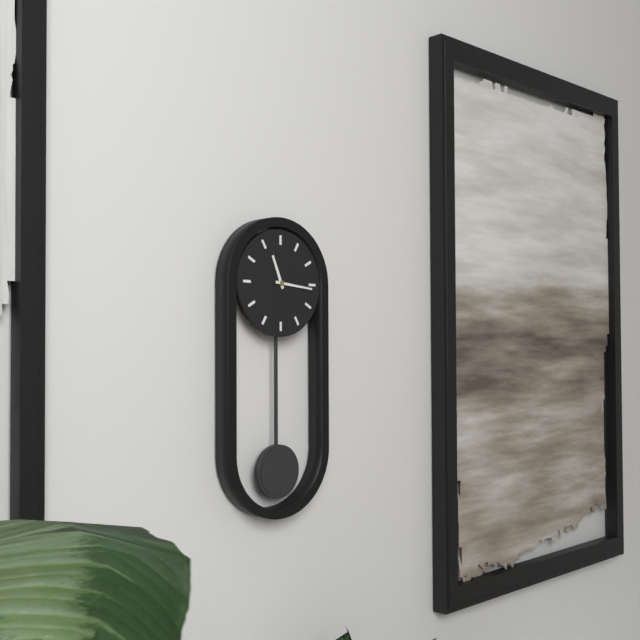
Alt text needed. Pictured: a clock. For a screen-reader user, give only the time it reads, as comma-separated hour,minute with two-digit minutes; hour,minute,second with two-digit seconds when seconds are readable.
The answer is 11,16
